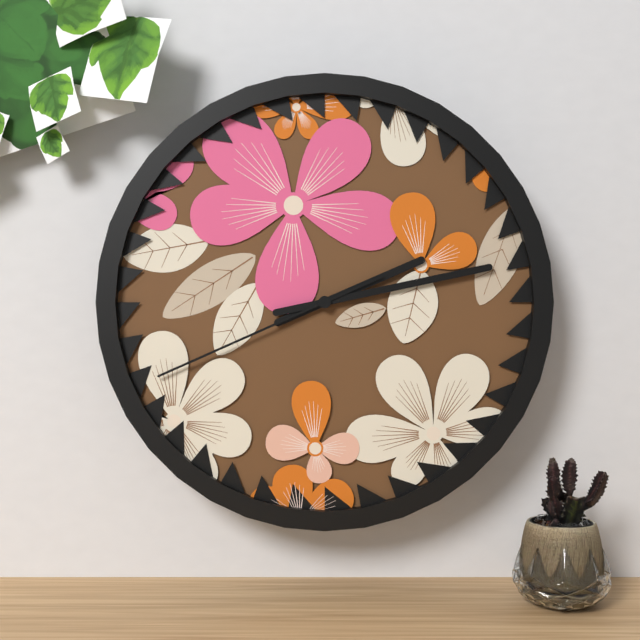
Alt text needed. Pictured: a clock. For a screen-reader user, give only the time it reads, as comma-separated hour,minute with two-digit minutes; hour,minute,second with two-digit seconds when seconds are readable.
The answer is 2,13,41
